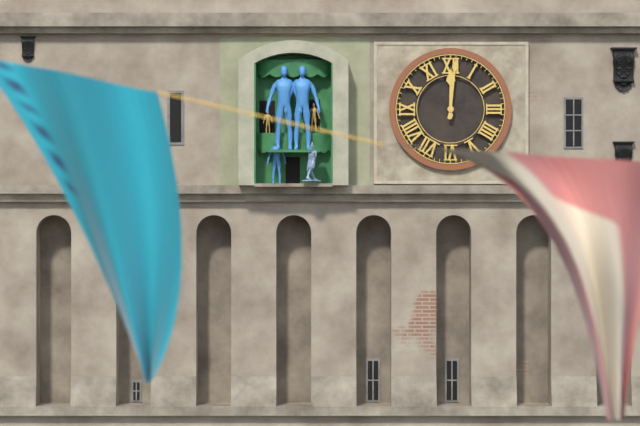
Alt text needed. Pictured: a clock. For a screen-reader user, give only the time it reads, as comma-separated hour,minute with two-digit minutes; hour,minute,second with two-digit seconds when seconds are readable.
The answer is 12,01
